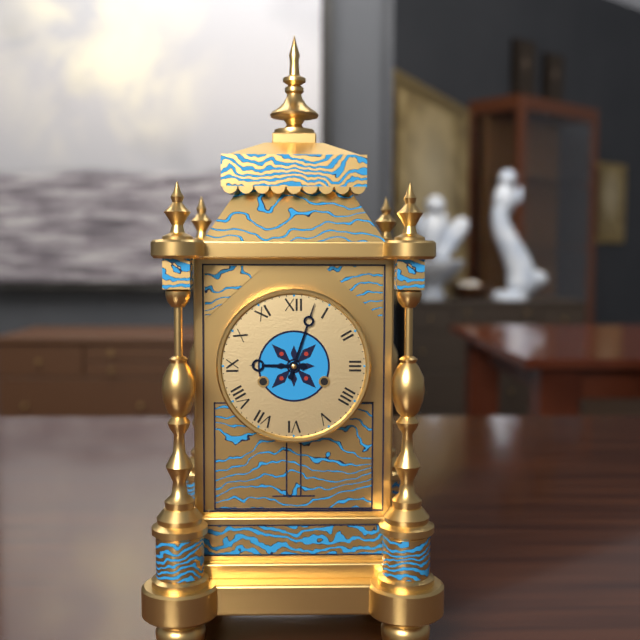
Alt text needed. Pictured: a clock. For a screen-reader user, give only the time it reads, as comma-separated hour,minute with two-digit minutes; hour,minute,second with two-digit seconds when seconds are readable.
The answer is 9,03
